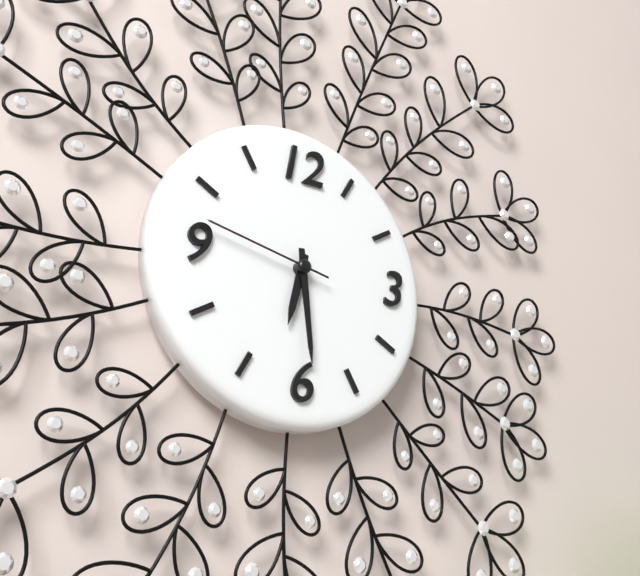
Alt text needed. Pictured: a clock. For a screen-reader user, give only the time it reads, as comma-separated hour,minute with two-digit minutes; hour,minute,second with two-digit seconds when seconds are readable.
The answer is 6,29,47
